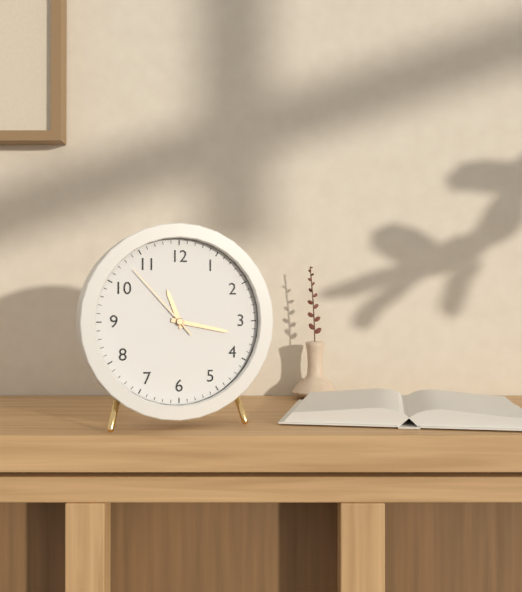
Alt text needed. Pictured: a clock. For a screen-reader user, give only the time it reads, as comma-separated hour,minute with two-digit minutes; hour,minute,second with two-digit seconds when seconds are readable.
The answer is 11,17,53
